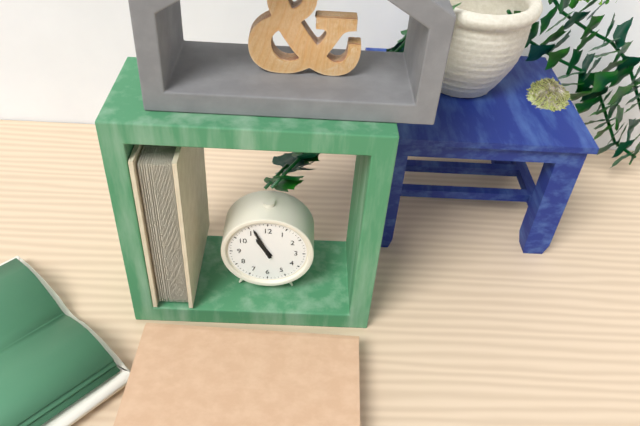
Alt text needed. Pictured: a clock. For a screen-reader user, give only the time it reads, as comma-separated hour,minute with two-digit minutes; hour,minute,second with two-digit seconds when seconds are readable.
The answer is 10,56
